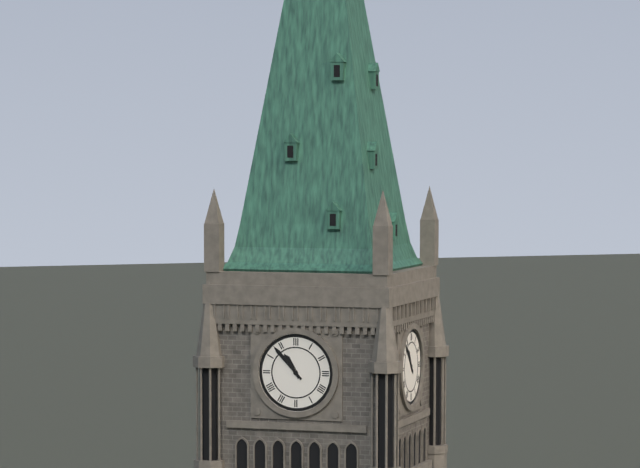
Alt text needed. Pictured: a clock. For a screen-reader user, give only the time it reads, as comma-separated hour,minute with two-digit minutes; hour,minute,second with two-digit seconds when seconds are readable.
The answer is 10,53
